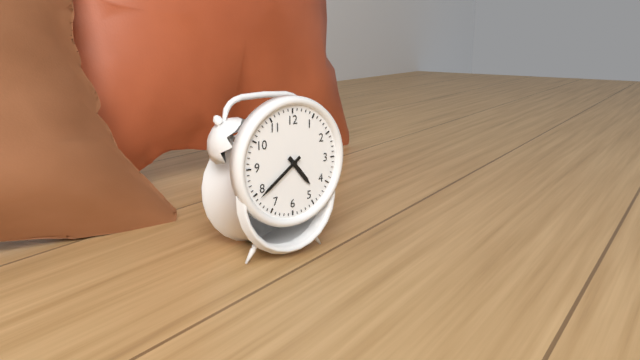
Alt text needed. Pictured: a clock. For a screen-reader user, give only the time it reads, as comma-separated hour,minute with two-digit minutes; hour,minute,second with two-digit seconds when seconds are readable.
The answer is 4,39
